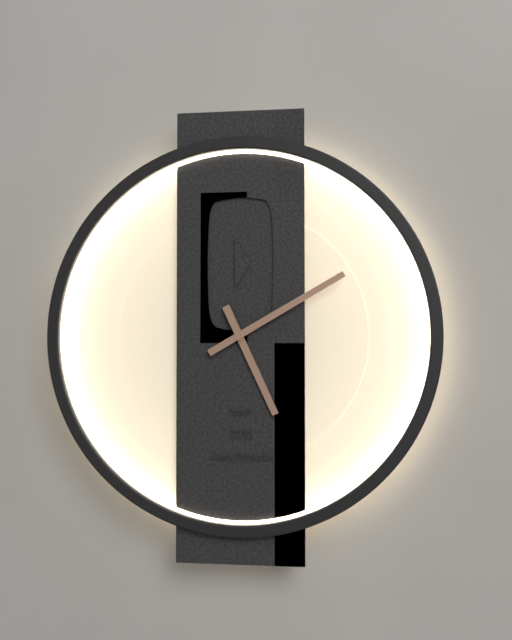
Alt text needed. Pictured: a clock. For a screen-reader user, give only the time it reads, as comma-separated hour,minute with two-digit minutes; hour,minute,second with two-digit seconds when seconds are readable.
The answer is 5,10
